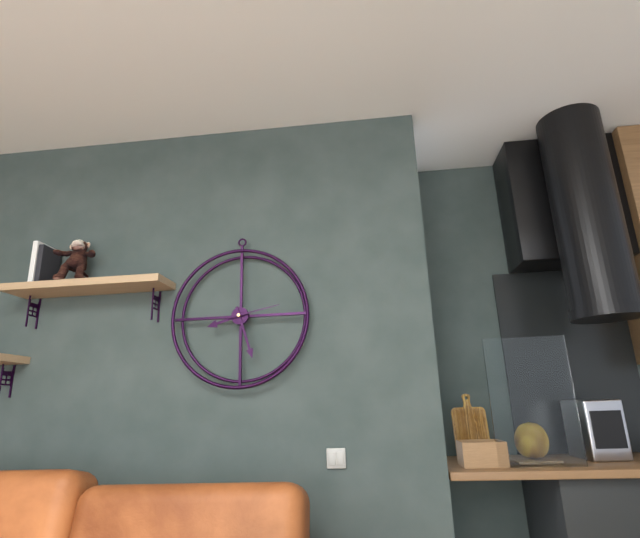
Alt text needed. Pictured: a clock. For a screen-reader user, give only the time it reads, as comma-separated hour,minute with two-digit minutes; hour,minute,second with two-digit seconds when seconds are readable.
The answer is 8,27,13
